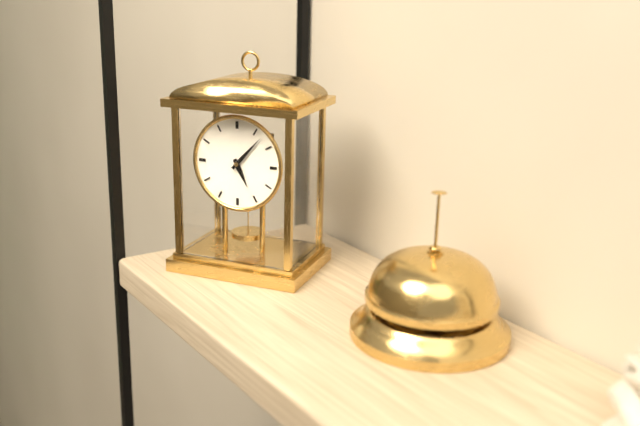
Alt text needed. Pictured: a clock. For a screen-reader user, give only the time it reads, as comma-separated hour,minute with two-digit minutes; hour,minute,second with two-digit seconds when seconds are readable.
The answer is 5,07
